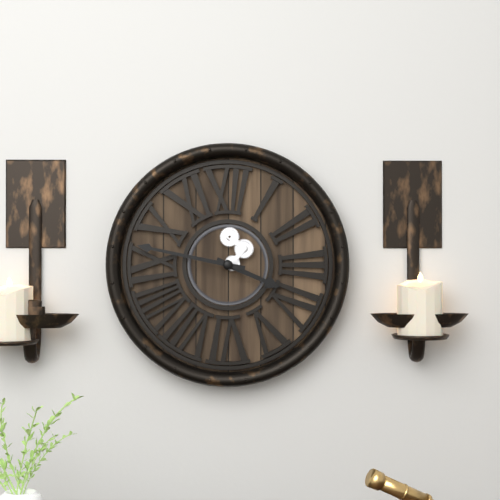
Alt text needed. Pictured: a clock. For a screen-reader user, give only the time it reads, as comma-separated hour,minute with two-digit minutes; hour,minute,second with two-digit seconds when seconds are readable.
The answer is 3,47
